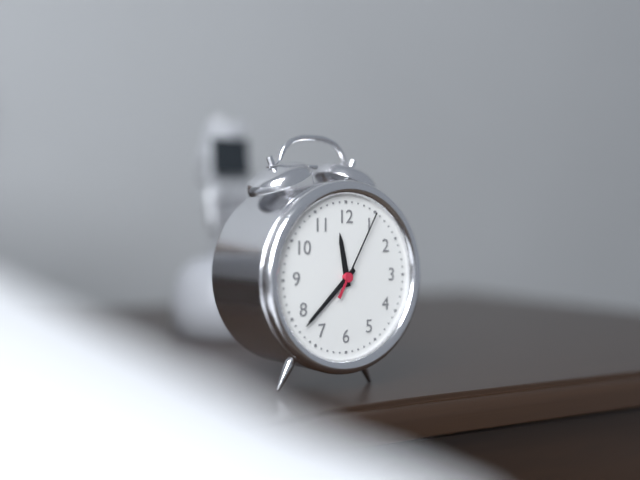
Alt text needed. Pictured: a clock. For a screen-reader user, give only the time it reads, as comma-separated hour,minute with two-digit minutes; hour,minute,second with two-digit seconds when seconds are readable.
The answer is 11,38,05
